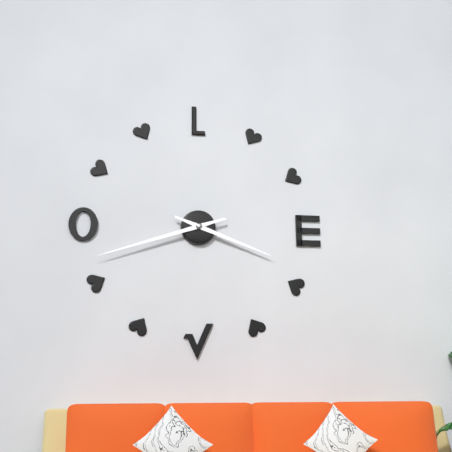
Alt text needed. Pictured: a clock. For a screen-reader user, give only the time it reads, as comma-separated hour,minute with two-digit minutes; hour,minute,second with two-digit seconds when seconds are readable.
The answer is 3,42
